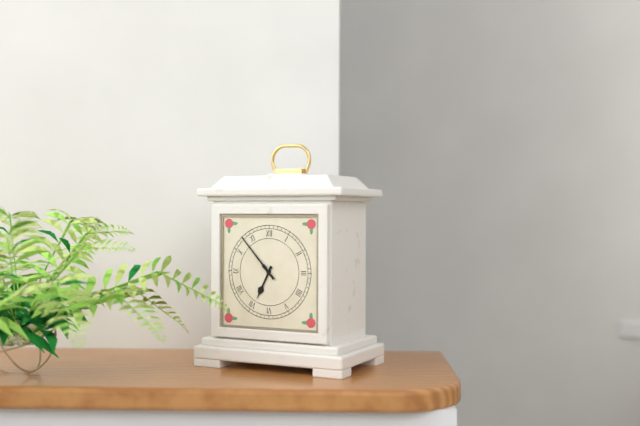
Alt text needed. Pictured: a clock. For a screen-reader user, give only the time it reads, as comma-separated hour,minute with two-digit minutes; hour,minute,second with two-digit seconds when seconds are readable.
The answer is 6,53
